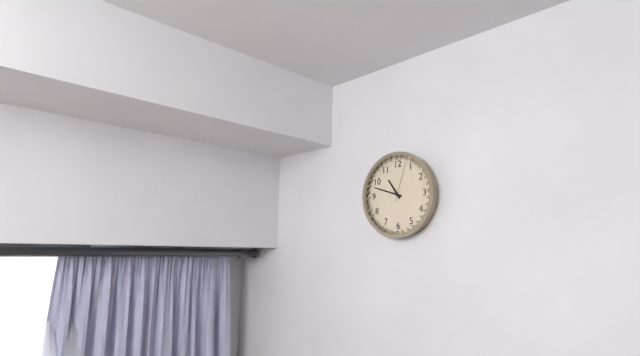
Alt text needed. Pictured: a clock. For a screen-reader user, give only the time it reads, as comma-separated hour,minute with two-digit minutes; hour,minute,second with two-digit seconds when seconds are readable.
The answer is 10,48
